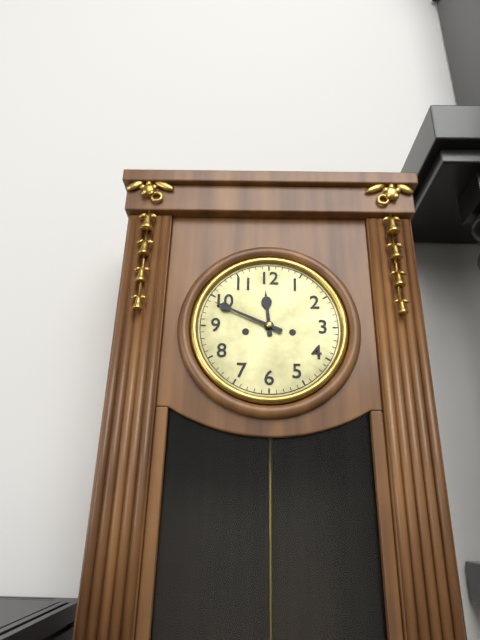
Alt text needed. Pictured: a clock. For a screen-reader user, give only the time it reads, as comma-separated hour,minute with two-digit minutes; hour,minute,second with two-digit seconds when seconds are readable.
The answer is 11,49
